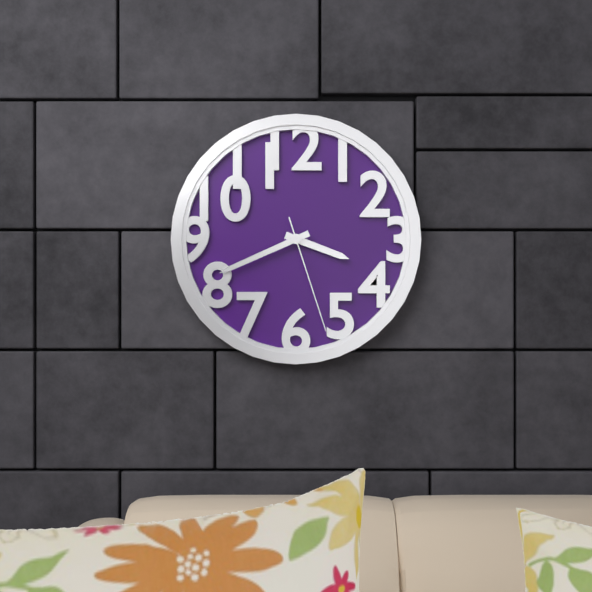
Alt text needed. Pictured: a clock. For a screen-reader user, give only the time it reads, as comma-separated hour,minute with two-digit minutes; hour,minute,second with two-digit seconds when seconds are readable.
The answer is 3,41,27
